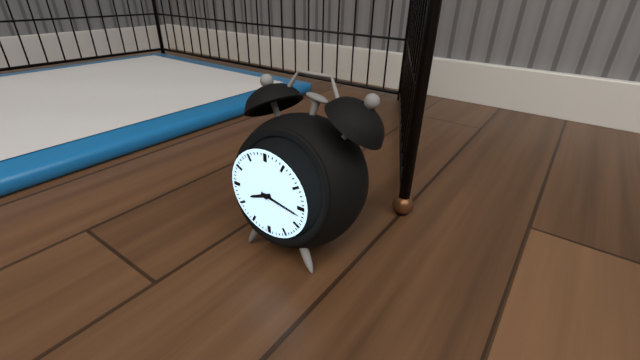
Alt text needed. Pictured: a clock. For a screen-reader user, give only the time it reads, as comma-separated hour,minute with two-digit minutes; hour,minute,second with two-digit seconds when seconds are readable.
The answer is 8,17
